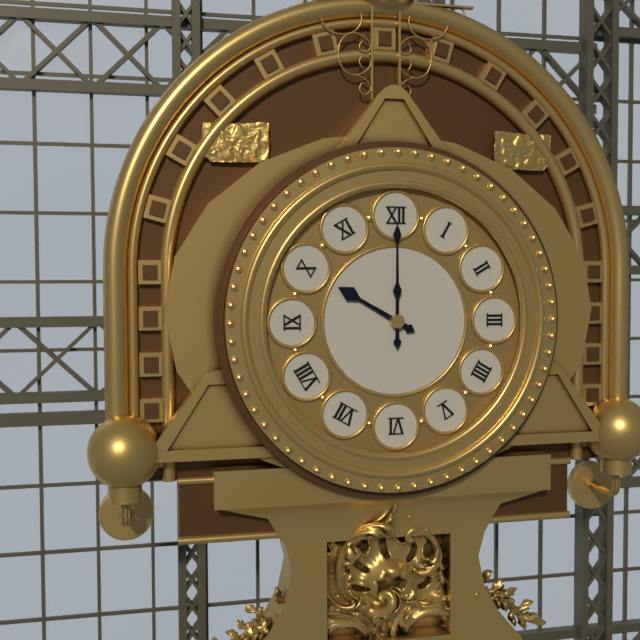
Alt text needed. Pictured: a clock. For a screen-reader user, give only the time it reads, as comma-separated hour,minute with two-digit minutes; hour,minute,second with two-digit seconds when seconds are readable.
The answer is 10,00
